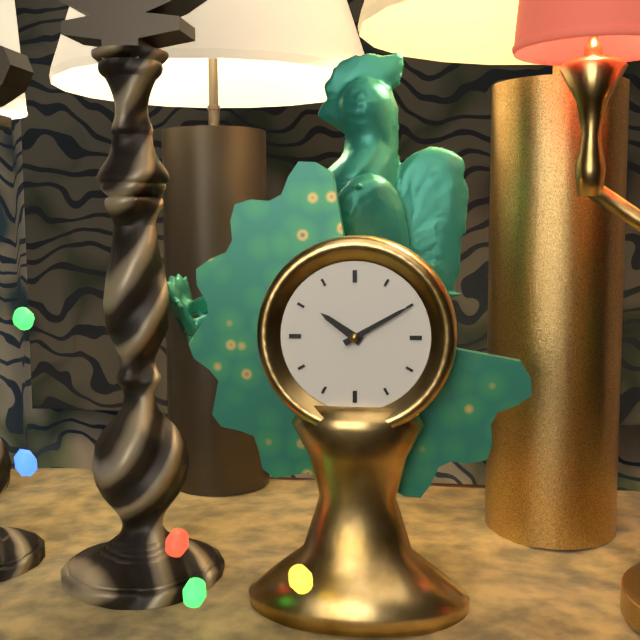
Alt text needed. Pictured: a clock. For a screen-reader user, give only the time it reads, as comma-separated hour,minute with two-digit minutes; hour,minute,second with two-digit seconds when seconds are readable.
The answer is 10,10
